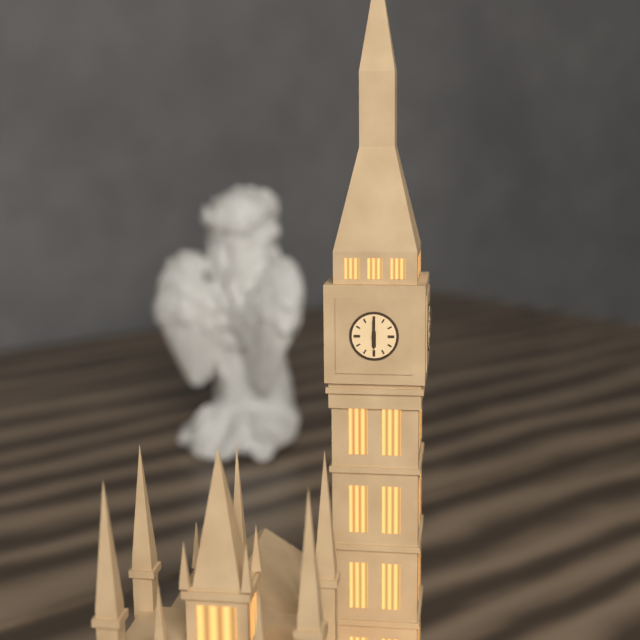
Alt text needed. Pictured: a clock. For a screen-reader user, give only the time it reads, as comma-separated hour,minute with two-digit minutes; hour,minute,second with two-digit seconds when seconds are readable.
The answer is 6,00
